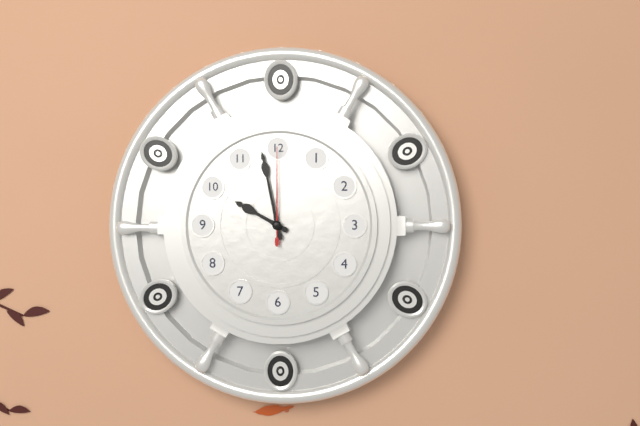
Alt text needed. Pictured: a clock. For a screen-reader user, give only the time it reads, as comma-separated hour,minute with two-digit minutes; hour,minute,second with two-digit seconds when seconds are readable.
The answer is 9,58,00
